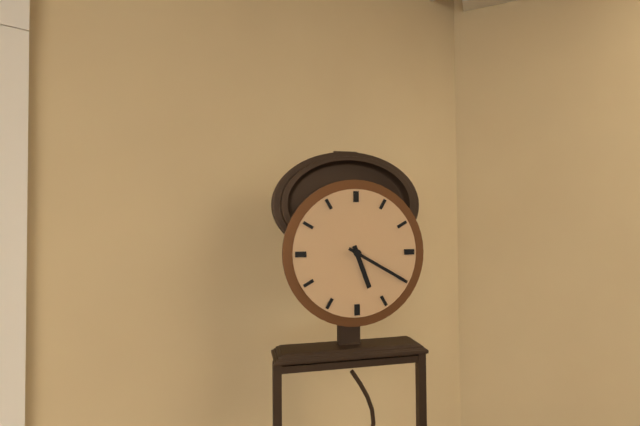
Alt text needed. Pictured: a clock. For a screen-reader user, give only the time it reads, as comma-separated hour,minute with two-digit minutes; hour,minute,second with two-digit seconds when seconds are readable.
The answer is 5,20
